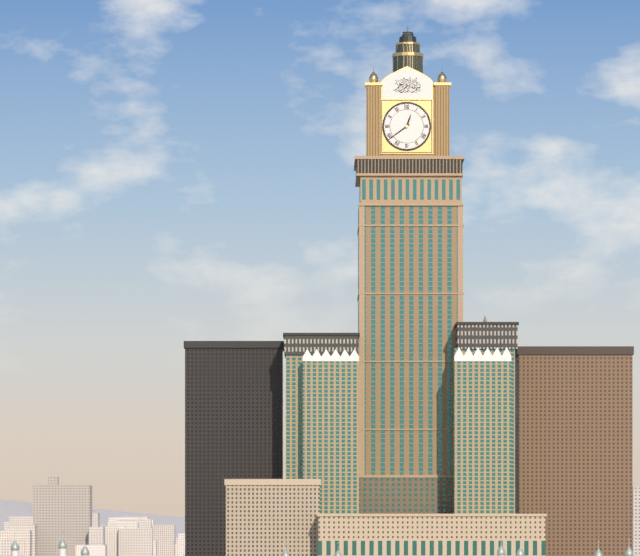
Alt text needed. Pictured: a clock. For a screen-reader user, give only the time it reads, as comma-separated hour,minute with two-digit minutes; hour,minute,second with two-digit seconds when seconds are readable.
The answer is 12,39
